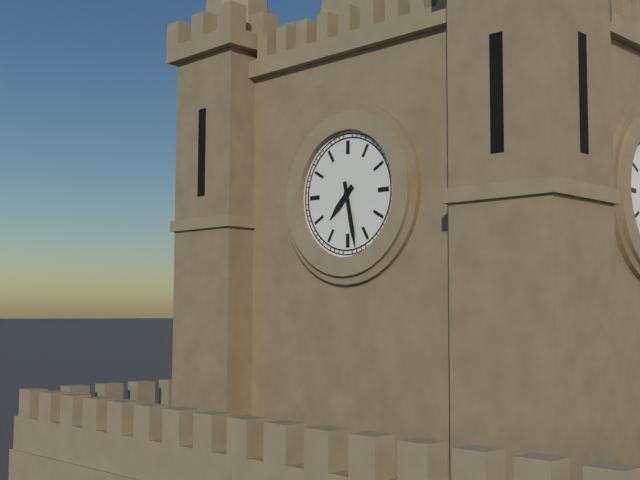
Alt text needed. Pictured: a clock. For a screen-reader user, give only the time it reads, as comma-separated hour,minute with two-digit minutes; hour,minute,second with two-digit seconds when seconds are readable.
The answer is 7,28
